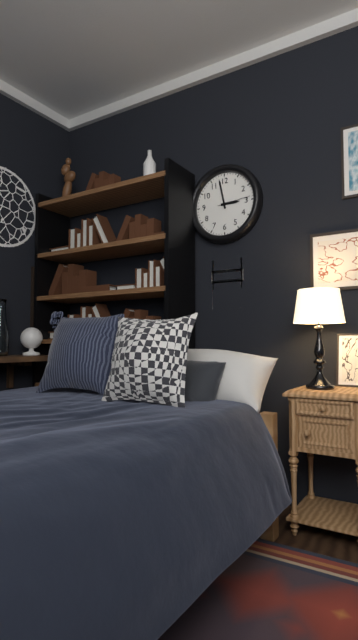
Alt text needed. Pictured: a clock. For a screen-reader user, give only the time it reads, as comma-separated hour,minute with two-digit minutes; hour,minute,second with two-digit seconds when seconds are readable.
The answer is 2,58
